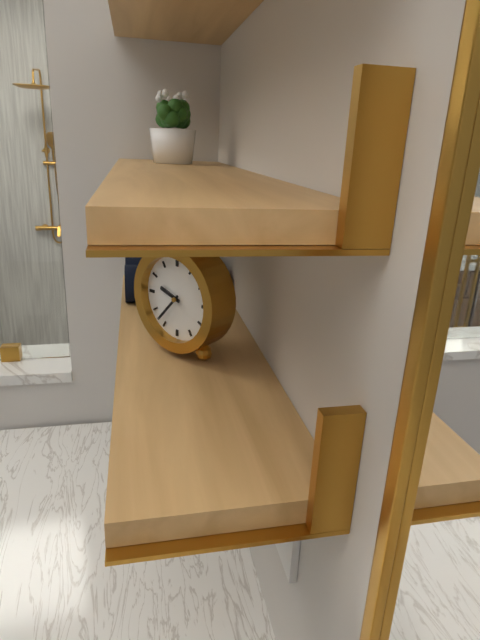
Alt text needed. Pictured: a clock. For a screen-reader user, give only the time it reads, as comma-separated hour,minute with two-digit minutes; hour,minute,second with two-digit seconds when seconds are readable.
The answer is 9,37
